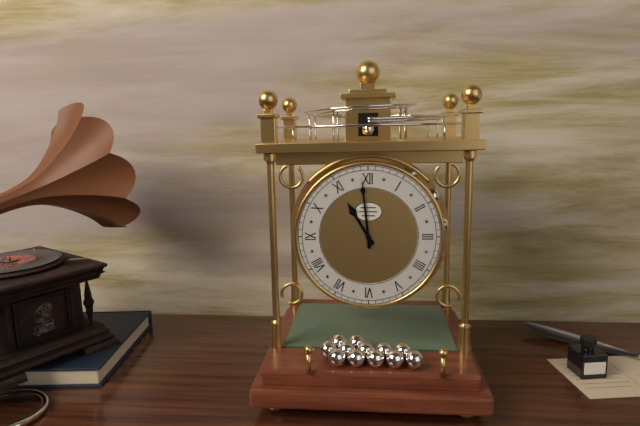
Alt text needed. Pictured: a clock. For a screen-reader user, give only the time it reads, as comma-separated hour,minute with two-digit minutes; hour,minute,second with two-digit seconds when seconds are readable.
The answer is 10,59
